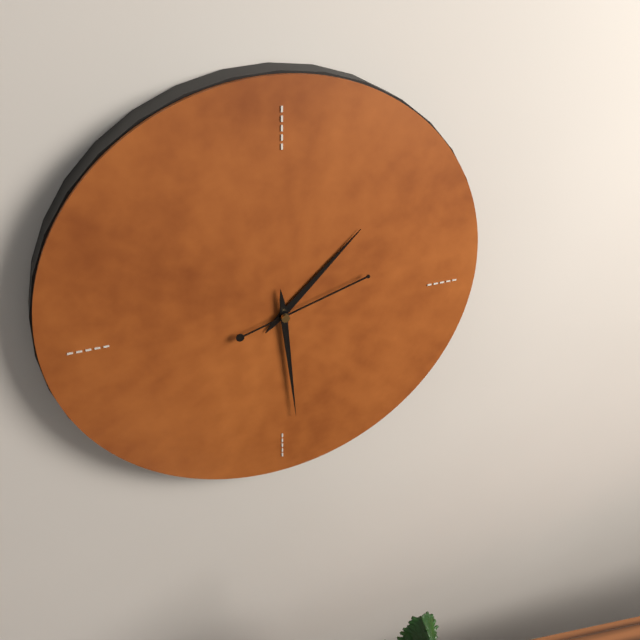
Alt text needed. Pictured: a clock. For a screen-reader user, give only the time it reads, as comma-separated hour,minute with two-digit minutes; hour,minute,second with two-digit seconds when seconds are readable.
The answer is 1,29,12
